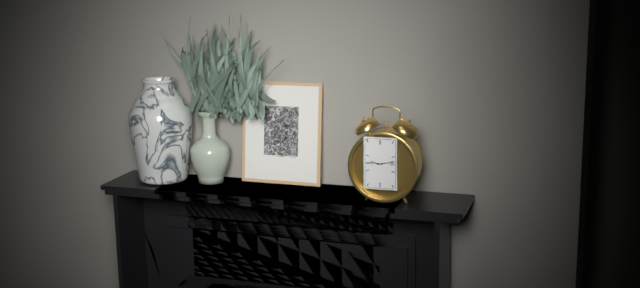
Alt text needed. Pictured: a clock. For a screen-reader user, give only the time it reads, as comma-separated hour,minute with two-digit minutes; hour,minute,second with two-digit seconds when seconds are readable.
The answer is 9,13
